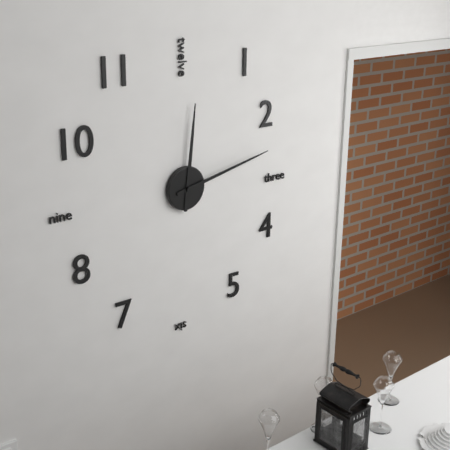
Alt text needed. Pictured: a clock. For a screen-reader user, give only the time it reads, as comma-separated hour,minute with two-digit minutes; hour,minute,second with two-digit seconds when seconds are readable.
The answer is 12,13
